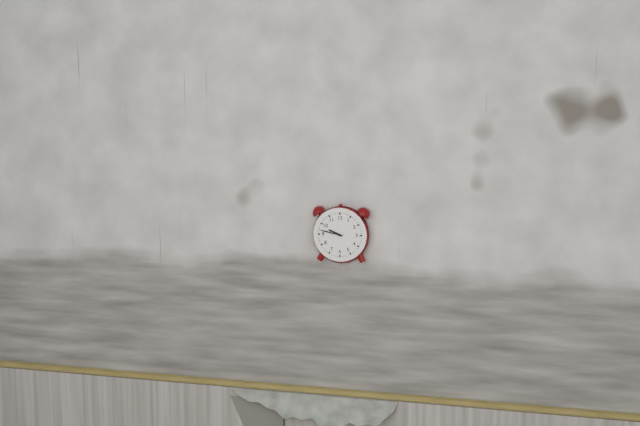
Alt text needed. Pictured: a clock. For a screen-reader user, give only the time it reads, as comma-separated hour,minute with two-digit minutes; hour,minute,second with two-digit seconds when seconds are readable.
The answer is 9,47
